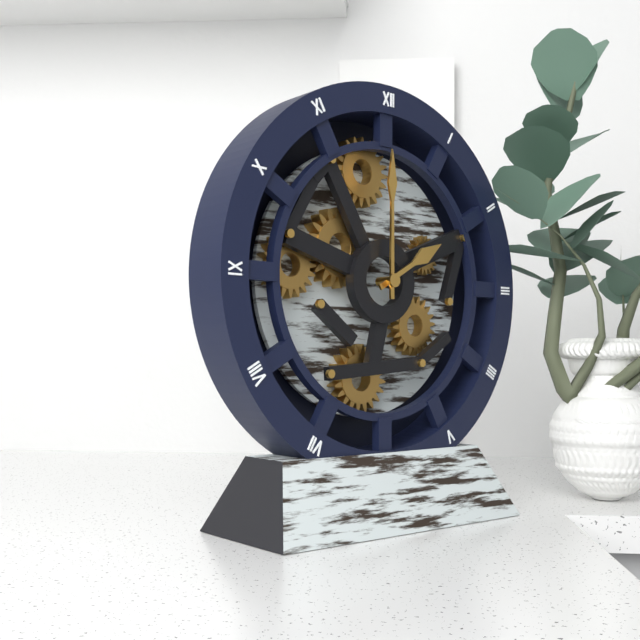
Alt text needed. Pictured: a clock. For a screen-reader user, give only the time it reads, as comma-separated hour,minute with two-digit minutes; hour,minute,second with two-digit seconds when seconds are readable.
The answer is 2,00
